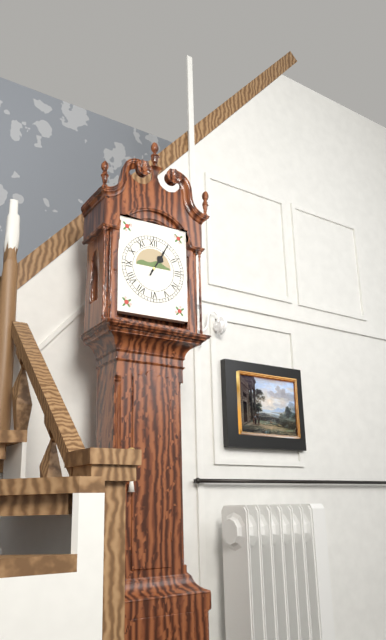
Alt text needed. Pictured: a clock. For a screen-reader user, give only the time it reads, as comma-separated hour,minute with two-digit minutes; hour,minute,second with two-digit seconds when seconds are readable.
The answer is 1,05
